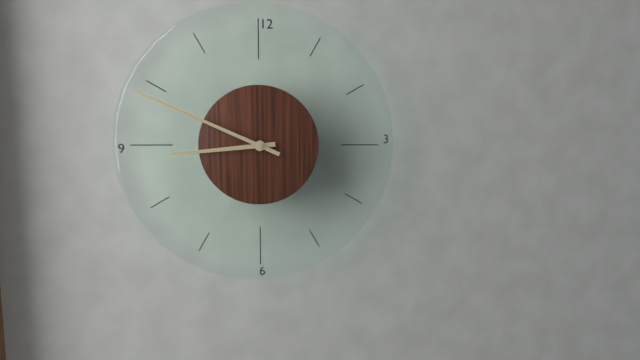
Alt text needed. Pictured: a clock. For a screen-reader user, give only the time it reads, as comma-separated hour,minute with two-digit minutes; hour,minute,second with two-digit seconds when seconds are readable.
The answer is 8,49
